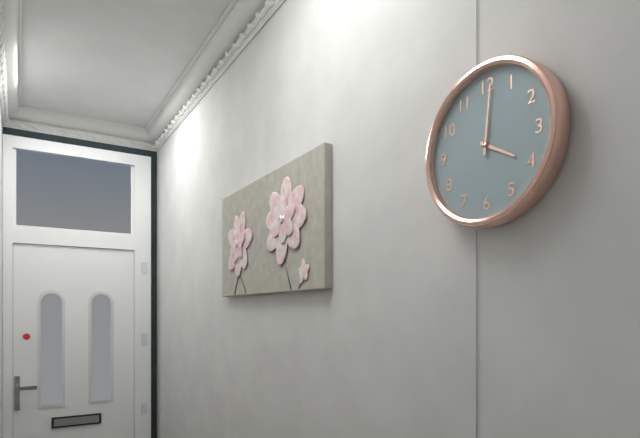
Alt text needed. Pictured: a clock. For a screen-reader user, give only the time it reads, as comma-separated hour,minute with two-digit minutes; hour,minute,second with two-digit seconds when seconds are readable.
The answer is 4,01
